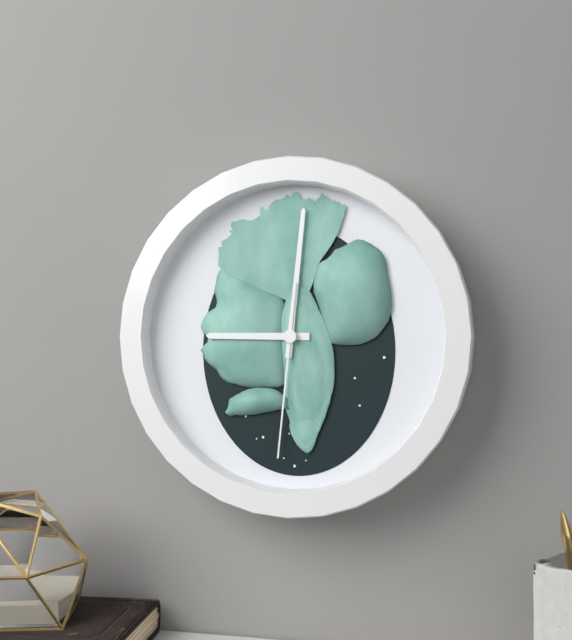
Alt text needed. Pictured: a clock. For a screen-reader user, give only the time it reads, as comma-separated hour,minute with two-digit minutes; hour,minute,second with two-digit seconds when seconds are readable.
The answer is 9,01,31
